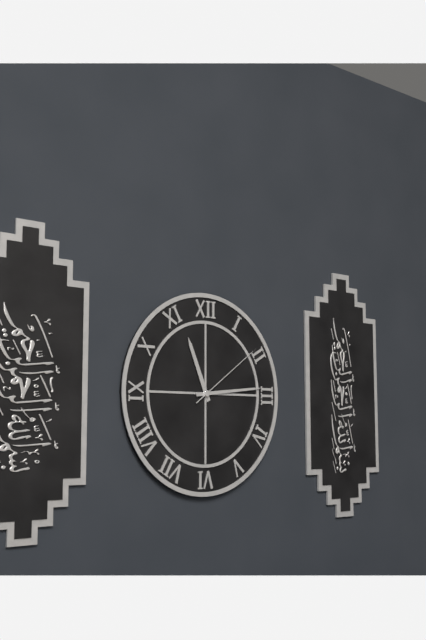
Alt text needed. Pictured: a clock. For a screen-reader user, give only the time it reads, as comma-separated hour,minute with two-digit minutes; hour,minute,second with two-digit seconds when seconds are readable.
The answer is 11,14,09
